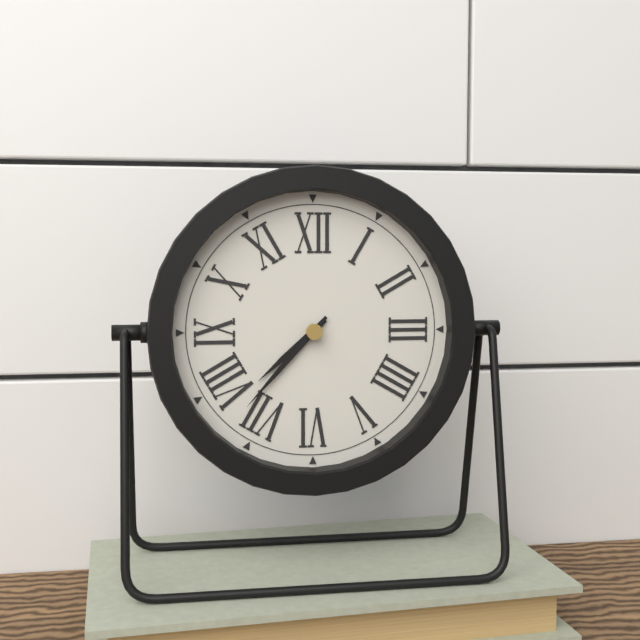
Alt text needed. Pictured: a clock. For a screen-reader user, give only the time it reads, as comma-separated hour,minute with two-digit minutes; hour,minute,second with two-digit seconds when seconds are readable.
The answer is 7,37
